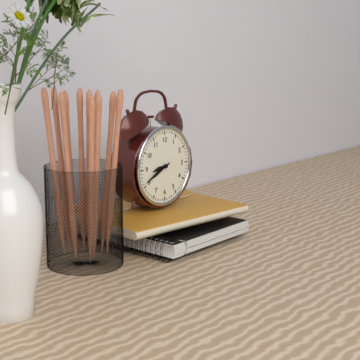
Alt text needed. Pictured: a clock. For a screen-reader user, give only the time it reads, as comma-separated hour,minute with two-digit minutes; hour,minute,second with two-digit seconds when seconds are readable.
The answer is 8,41
